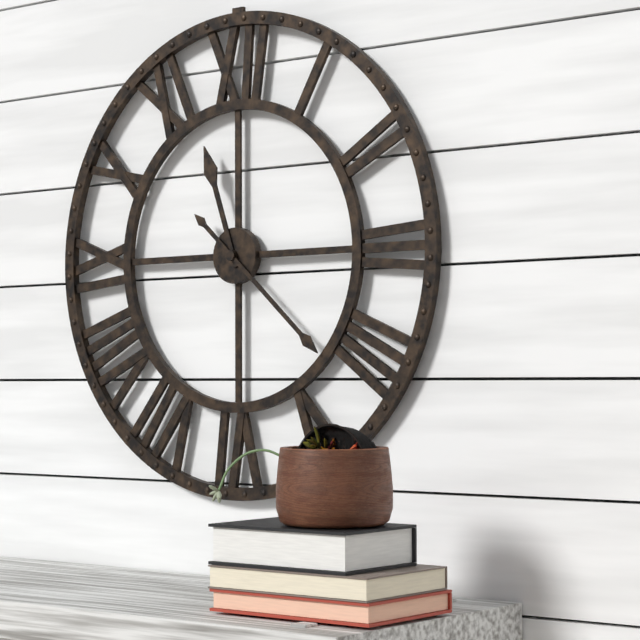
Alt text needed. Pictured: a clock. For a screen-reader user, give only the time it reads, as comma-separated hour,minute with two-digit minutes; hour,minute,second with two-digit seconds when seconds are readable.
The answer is 11,22
